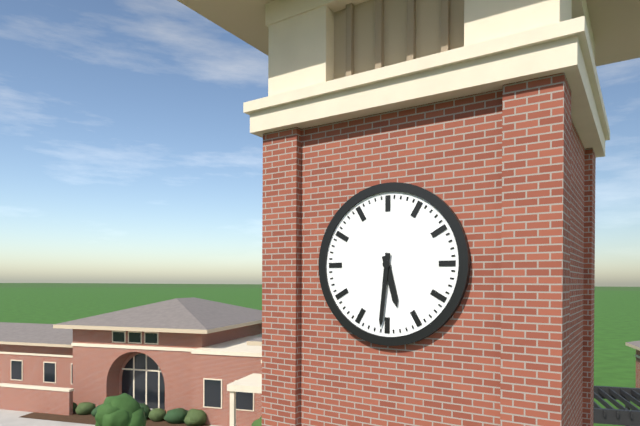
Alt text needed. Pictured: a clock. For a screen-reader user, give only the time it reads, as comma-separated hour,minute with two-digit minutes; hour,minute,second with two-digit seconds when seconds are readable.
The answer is 5,31
